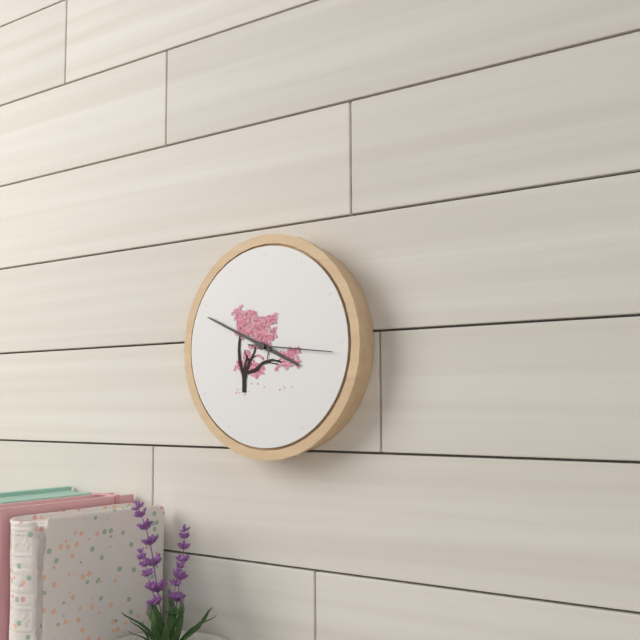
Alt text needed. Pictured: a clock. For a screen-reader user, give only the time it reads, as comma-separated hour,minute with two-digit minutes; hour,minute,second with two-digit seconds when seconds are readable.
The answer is 3,49,16
